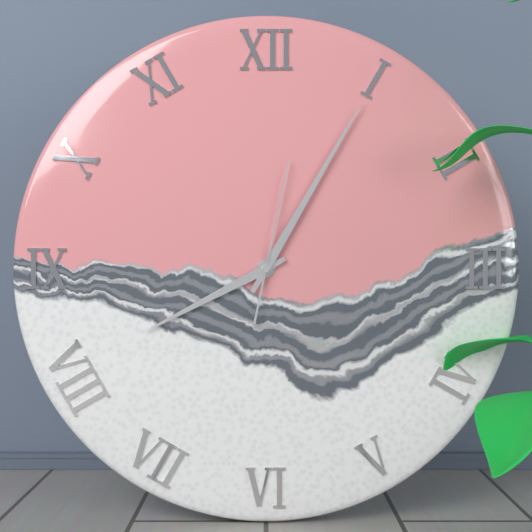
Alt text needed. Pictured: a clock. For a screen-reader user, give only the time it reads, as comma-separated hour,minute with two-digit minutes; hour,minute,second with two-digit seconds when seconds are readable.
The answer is 8,05,02
